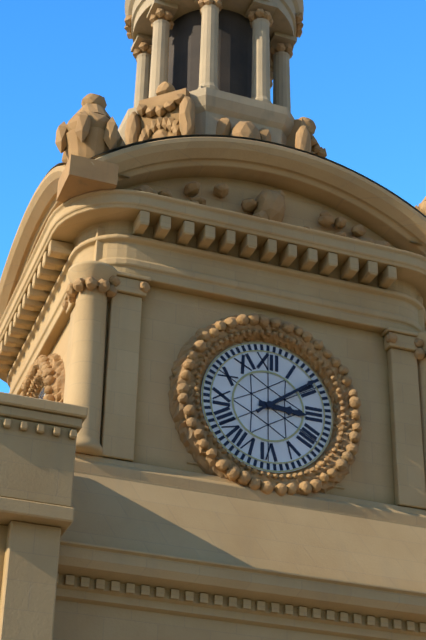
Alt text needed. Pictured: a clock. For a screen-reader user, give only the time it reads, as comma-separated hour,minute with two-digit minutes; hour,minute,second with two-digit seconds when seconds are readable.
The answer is 3,09
